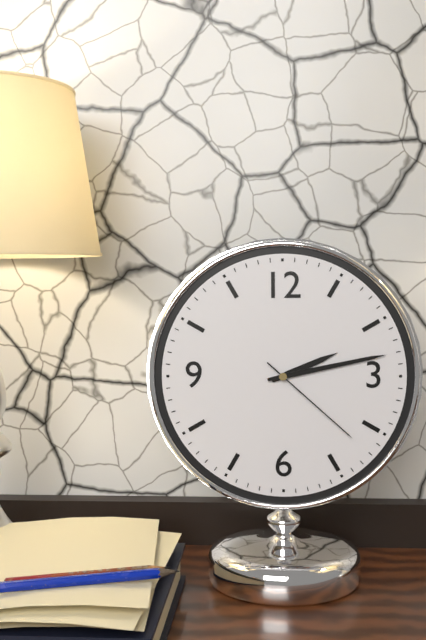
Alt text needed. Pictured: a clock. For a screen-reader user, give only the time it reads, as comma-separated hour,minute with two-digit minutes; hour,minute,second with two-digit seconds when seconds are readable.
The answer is 2,13,22
